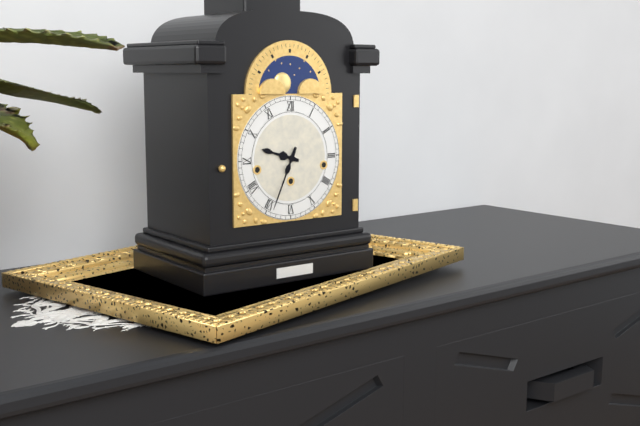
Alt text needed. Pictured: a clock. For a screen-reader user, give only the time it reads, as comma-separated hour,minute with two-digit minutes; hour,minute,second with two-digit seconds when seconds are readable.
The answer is 9,34
